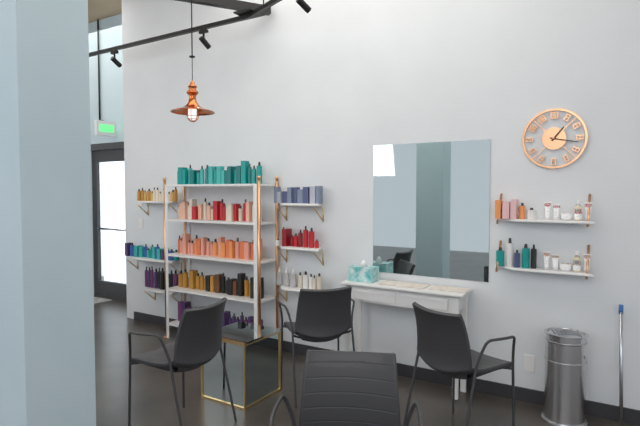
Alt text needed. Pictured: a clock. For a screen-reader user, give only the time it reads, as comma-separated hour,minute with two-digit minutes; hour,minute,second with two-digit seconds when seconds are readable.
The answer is 1,17
